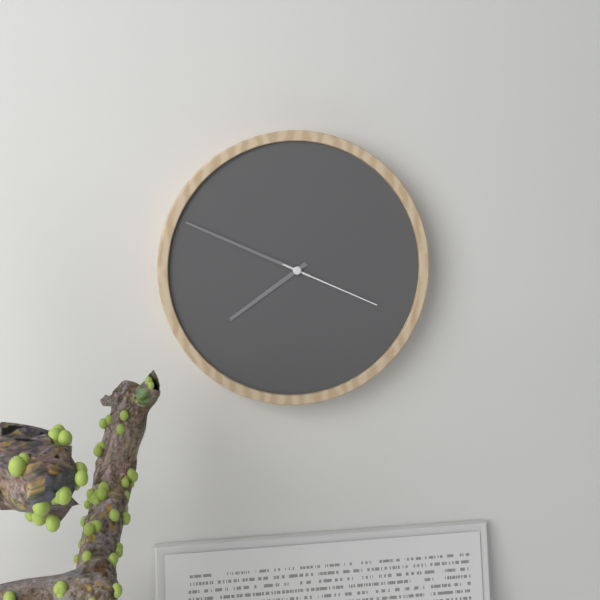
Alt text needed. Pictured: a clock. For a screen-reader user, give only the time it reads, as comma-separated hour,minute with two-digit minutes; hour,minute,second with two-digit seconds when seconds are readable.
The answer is 7,49,19
